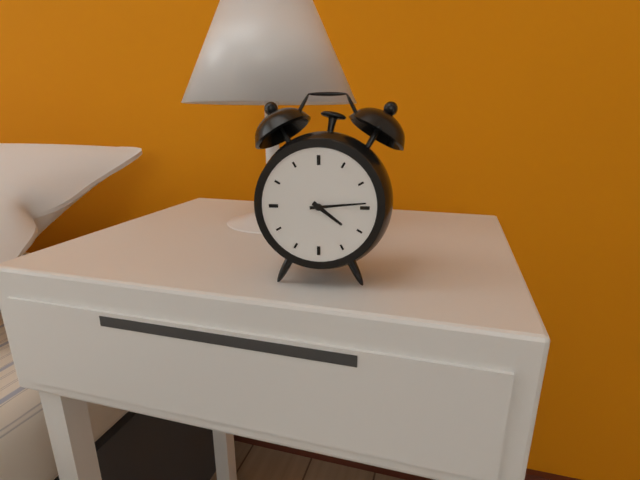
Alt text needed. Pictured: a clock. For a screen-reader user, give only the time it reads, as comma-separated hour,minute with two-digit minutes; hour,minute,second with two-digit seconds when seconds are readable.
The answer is 4,14
